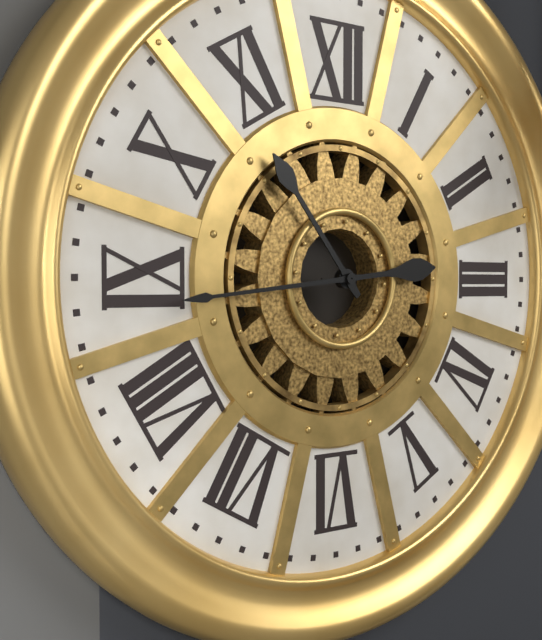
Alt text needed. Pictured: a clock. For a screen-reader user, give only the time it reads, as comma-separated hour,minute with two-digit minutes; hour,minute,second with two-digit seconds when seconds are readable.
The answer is 10,44
